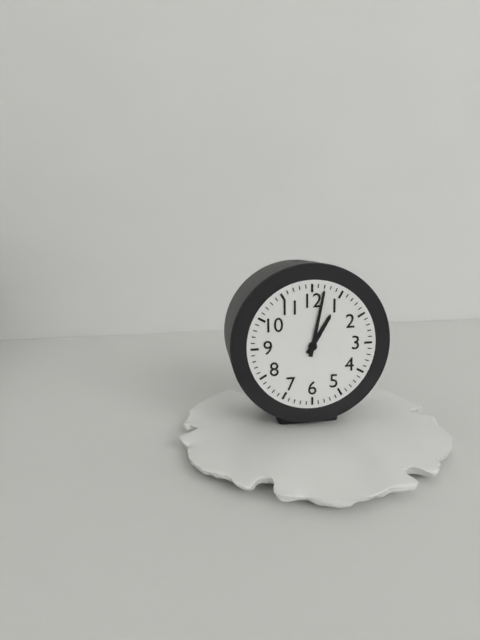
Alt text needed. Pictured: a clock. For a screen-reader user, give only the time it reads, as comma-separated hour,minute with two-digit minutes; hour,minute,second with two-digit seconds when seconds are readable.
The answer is 1,02
